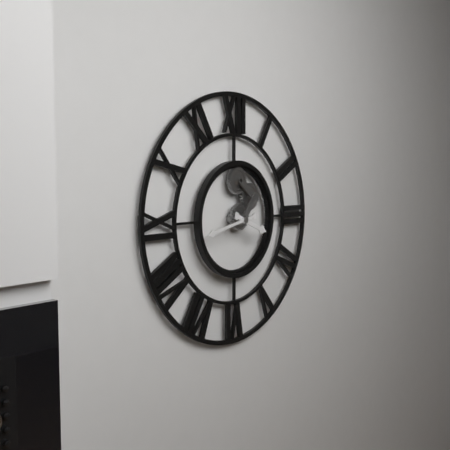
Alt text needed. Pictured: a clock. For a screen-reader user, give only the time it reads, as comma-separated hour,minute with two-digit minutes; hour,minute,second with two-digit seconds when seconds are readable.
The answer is 3,43
